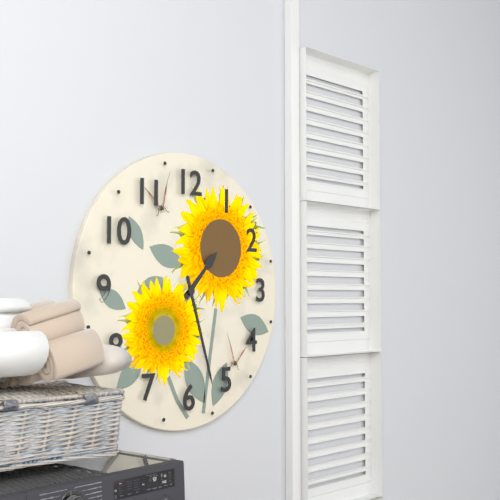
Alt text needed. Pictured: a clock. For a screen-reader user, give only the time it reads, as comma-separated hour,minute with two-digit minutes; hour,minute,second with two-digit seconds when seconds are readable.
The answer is 1,27
